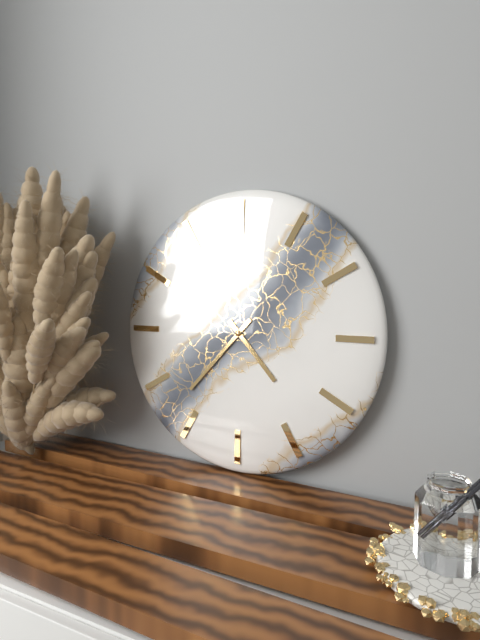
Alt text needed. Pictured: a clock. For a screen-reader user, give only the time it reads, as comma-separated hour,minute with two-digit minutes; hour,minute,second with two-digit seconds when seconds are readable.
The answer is 4,37
